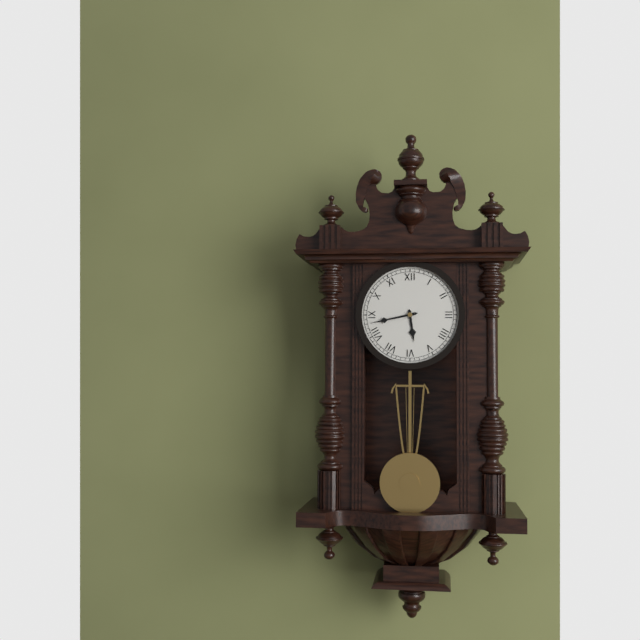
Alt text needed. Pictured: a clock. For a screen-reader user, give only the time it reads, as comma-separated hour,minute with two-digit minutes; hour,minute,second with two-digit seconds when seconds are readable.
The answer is 5,43
